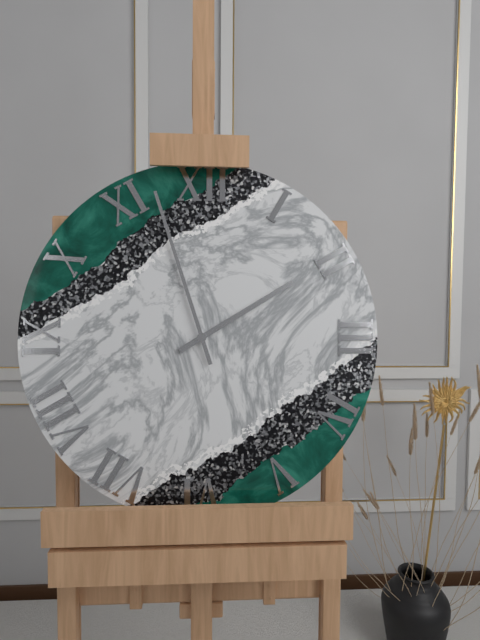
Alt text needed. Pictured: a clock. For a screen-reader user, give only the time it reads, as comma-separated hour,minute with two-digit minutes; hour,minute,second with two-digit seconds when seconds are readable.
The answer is 1,57
